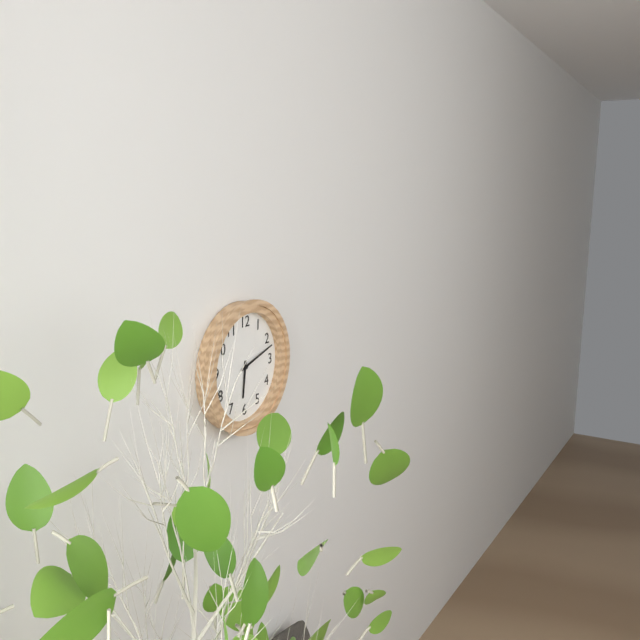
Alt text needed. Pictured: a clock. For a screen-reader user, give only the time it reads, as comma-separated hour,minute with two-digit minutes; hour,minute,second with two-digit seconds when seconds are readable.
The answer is 6,12
